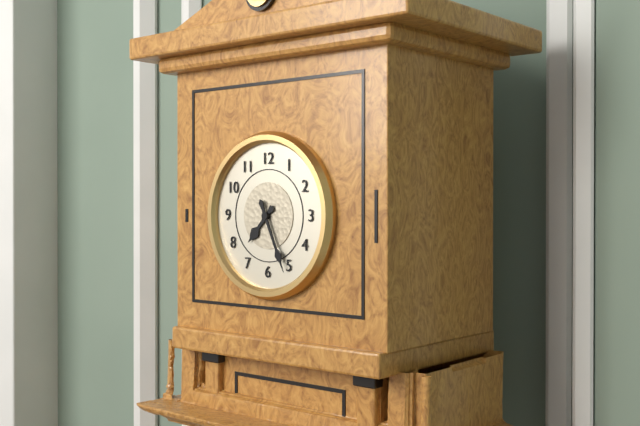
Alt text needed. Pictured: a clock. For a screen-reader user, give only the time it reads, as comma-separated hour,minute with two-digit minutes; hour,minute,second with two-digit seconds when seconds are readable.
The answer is 7,26
